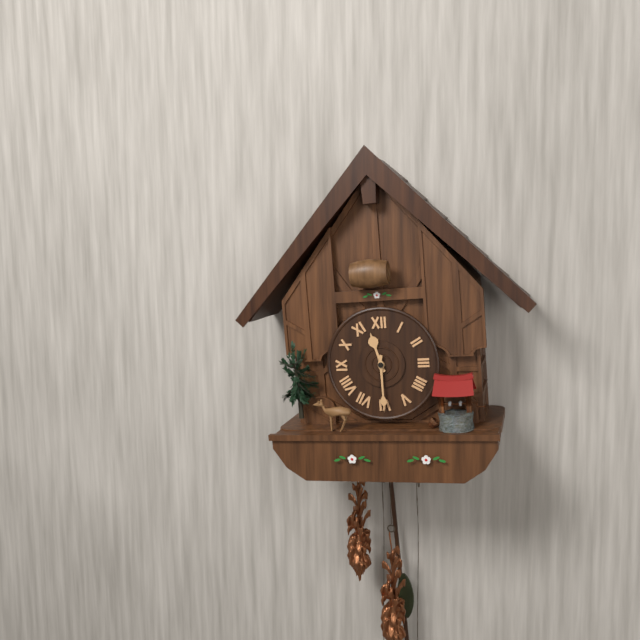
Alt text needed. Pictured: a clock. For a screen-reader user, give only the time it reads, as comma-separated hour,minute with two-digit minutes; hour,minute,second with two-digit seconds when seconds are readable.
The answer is 11,30
